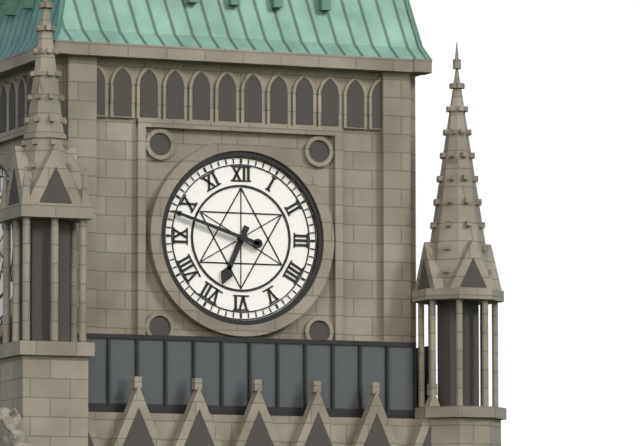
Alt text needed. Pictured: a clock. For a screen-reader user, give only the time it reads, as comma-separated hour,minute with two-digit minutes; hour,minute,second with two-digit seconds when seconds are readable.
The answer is 6,48
